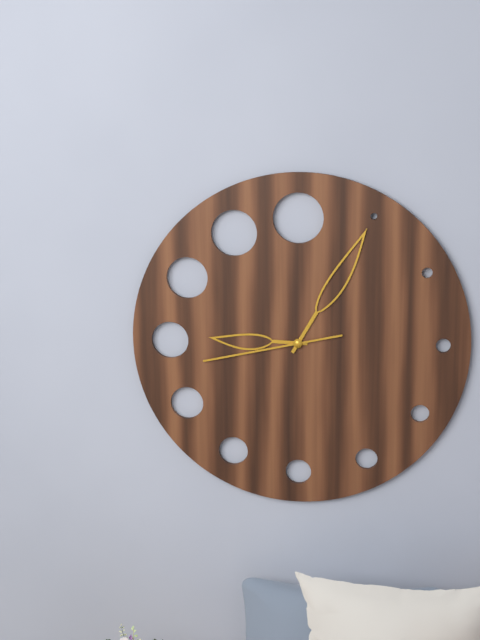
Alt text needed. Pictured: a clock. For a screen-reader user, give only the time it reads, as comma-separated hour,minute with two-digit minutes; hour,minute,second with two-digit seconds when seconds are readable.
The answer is 9,05,43
